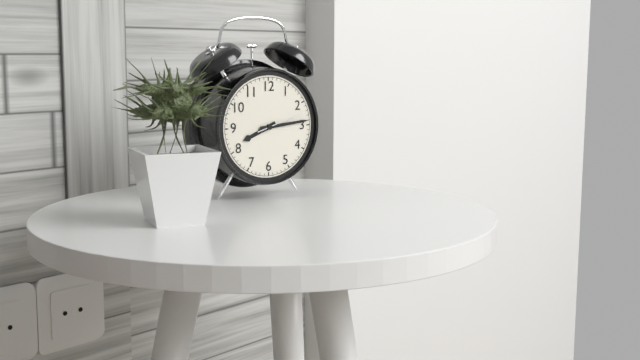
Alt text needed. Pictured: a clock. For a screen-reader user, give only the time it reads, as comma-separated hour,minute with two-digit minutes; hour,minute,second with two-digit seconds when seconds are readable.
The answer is 8,14
